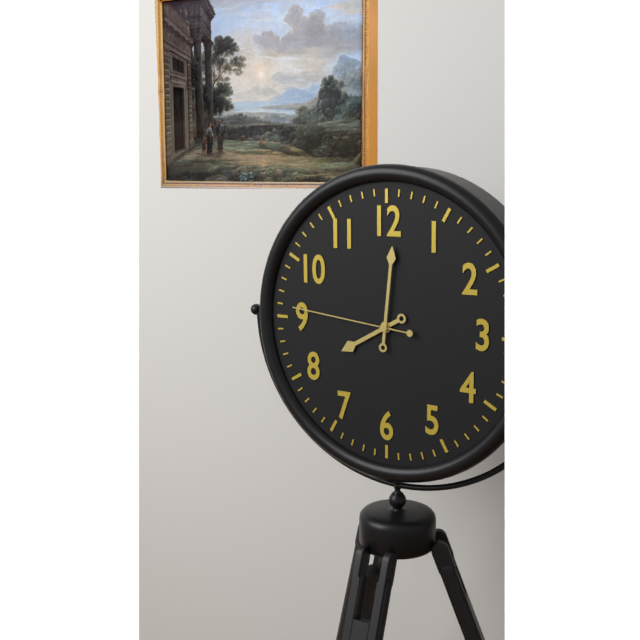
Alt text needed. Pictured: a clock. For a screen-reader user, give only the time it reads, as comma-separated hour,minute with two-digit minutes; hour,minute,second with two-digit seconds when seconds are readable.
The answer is 8,01,46
